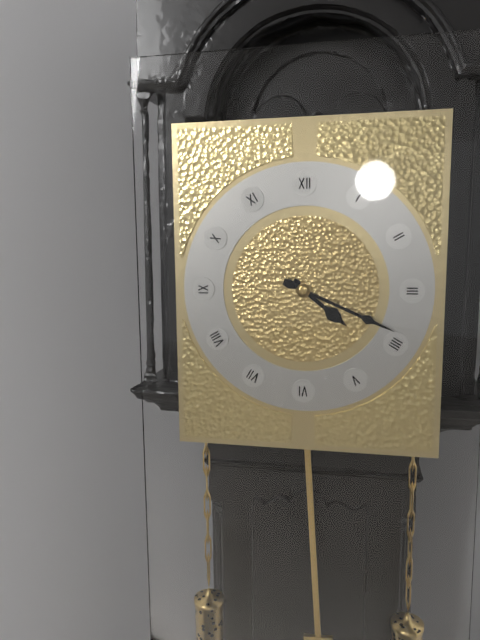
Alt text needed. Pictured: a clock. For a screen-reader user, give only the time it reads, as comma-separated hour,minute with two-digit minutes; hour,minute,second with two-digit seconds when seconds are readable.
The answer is 4,19
